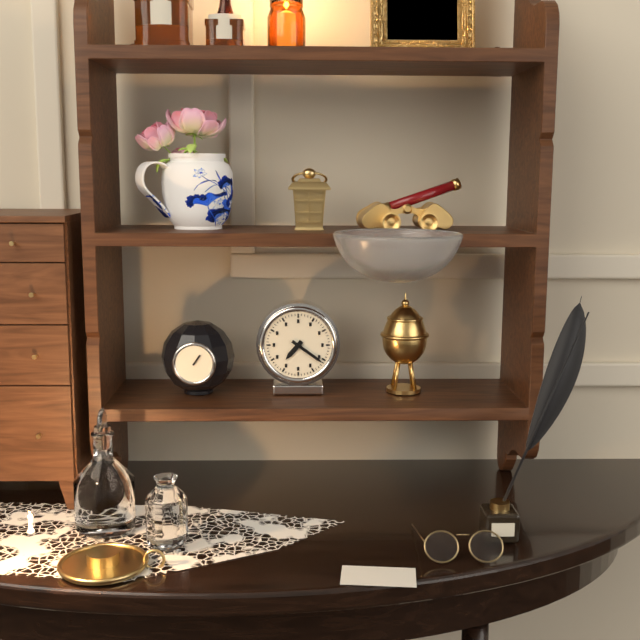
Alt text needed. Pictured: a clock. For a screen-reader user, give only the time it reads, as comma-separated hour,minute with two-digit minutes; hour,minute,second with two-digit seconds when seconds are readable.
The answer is 7,21
